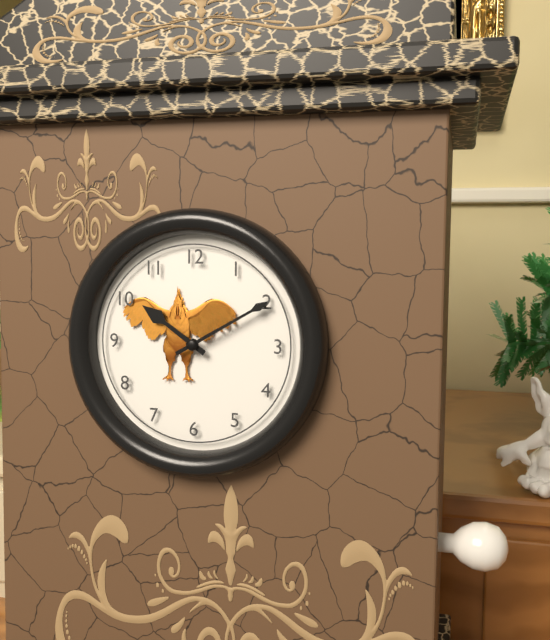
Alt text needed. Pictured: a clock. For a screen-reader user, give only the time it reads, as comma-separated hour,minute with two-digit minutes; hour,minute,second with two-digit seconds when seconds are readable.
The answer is 10,10
